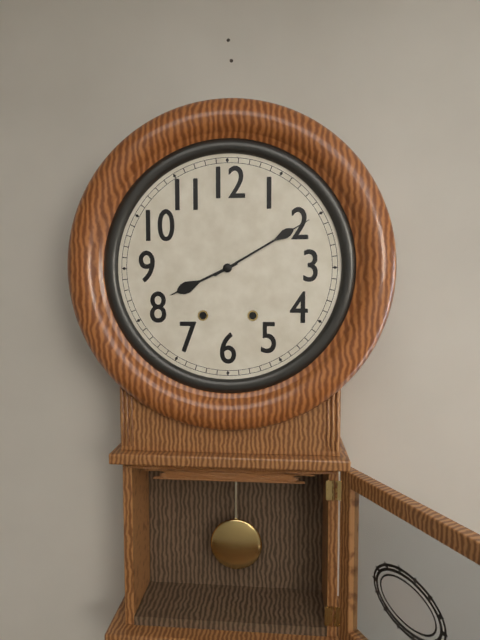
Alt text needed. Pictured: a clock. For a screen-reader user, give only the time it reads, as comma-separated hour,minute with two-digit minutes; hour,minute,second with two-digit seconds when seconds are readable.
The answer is 8,10
